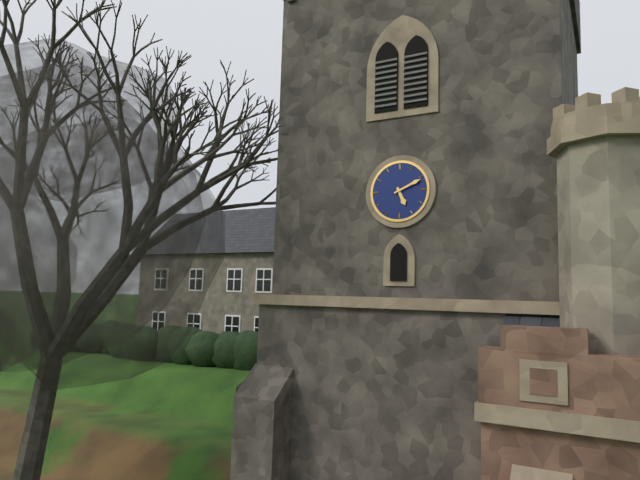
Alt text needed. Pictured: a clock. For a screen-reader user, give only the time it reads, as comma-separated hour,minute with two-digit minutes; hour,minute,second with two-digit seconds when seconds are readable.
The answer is 5,11
